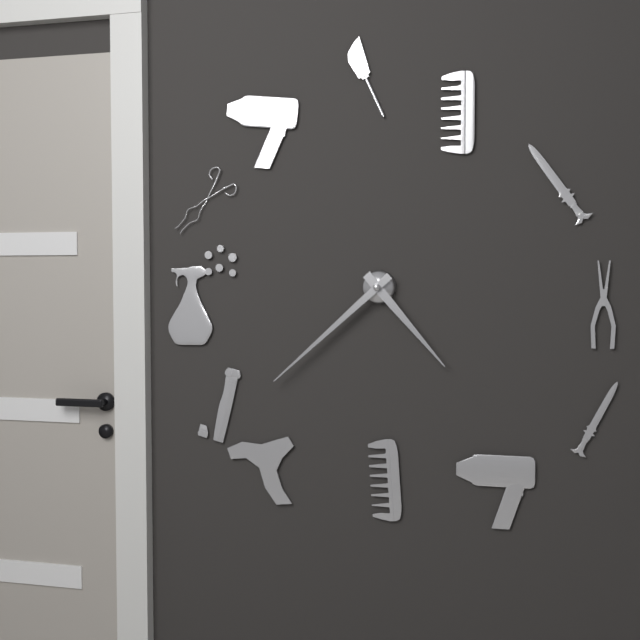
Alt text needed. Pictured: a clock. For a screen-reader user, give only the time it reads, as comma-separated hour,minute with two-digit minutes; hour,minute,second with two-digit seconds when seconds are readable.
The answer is 4,38
